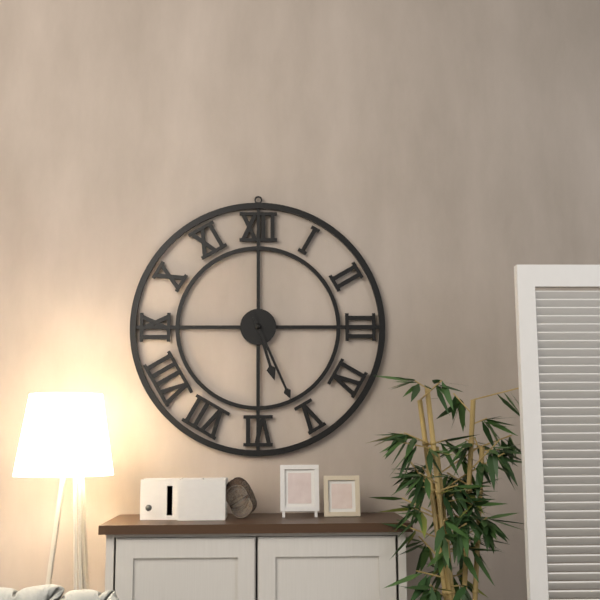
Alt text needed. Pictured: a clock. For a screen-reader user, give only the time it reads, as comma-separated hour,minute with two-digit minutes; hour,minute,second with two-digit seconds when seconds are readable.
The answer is 5,26
